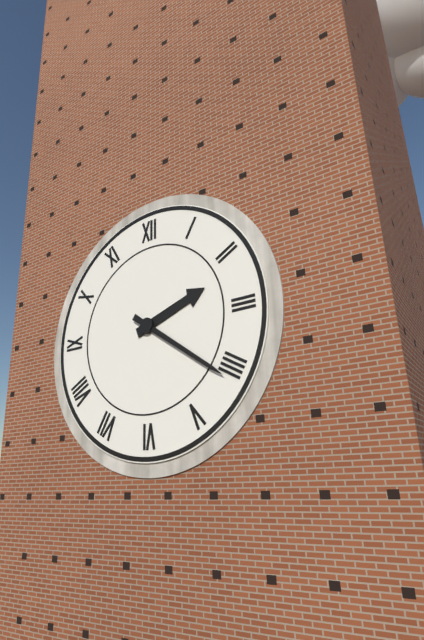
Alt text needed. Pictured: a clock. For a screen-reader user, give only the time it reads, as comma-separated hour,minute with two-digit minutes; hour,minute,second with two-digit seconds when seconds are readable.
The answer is 2,21
